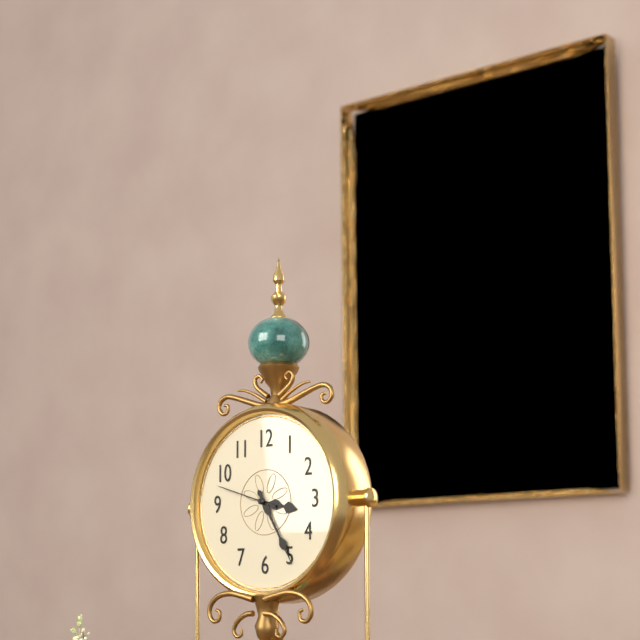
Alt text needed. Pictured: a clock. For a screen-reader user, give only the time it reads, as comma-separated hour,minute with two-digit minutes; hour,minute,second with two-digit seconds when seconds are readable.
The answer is 3,25,48
